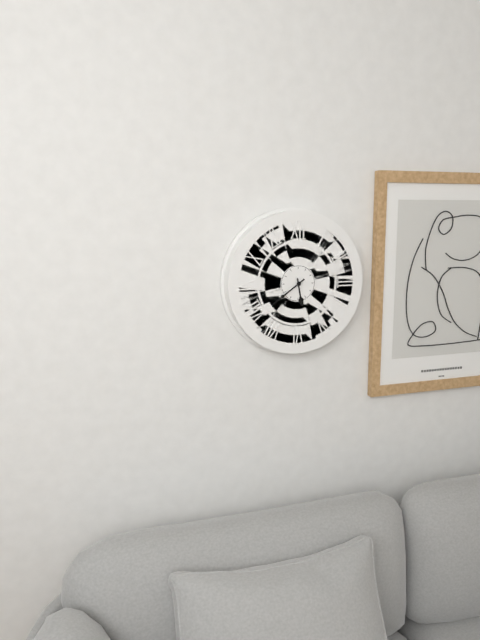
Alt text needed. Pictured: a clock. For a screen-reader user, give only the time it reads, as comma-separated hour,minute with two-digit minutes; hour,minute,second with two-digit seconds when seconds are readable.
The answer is 5,39
